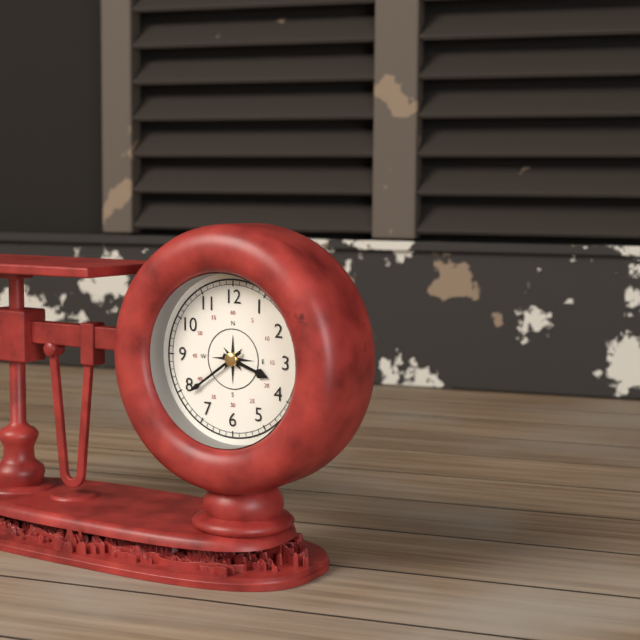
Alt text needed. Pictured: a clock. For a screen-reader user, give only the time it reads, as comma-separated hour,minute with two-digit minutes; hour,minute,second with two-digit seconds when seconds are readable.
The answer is 3,39
